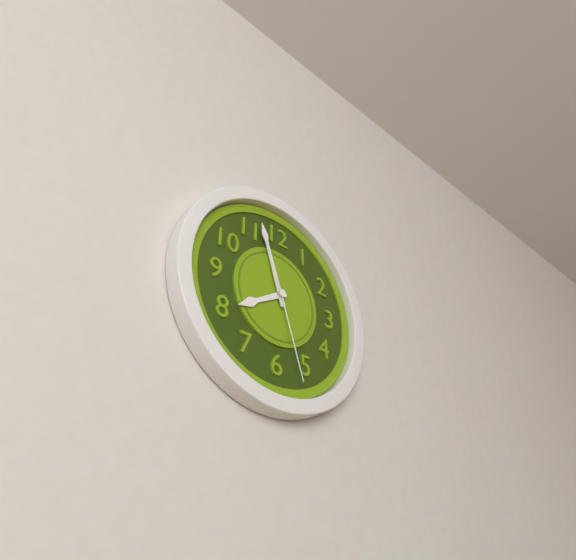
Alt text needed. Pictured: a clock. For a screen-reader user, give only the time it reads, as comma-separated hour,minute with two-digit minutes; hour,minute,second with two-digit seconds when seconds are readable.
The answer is 7,57,27
